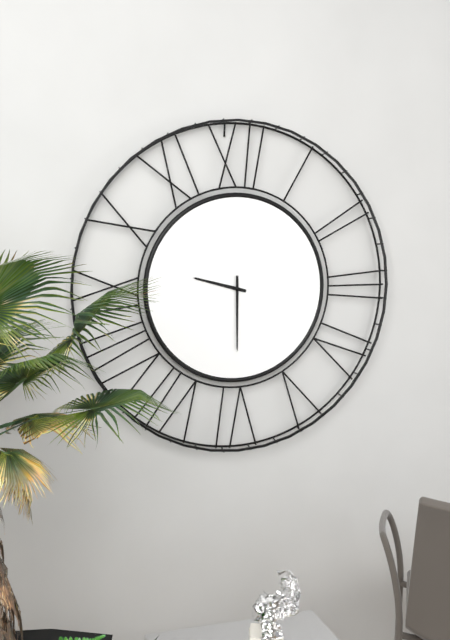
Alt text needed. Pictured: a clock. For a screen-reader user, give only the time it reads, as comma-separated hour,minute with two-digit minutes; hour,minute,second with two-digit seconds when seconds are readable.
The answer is 9,30
